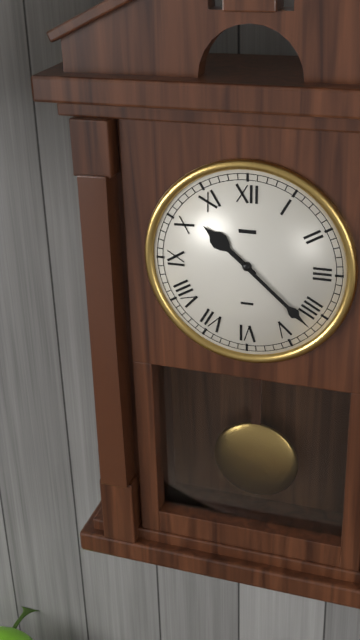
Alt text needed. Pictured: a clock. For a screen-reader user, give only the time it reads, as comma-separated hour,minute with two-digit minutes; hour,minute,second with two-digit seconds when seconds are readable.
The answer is 10,22
